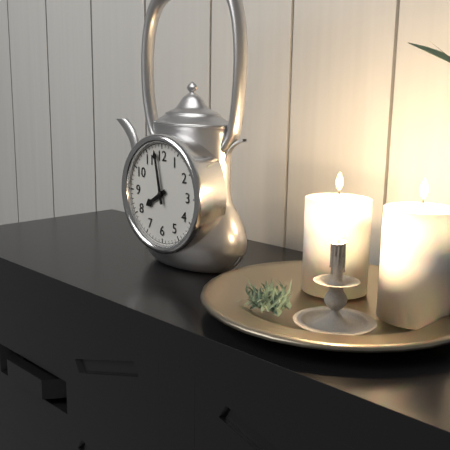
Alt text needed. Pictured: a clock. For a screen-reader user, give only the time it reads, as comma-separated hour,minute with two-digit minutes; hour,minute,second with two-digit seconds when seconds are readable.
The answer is 7,58
